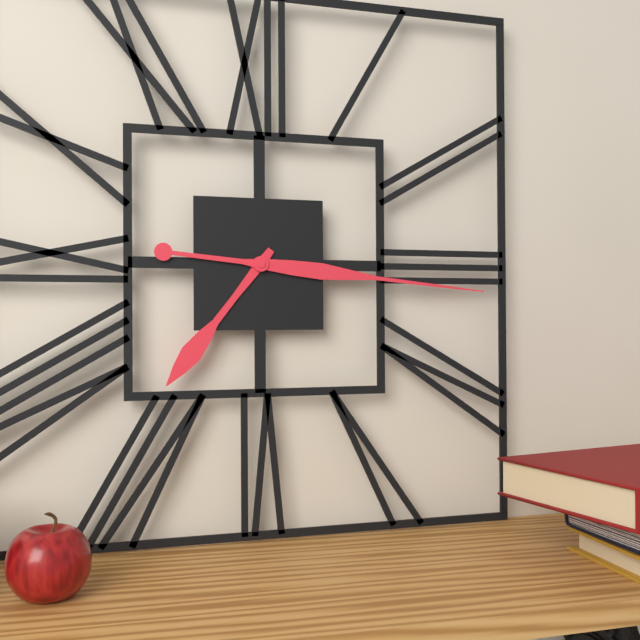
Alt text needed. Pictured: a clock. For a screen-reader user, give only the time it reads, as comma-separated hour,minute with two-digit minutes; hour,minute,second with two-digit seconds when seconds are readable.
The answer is 7,16
